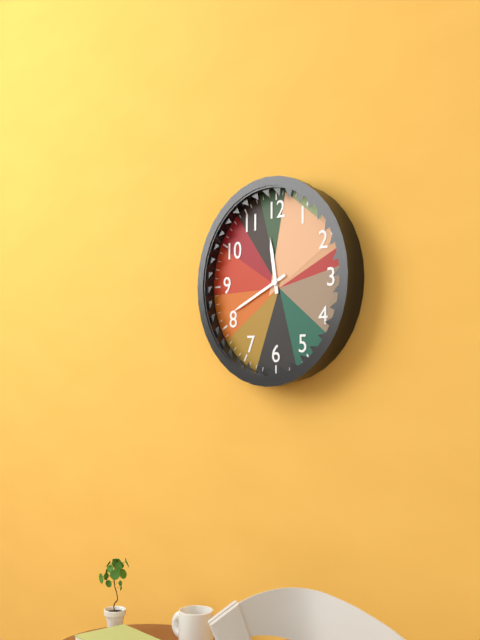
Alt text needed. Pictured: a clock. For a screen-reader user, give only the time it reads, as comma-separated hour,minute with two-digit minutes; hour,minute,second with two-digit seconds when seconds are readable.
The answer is 11,41
